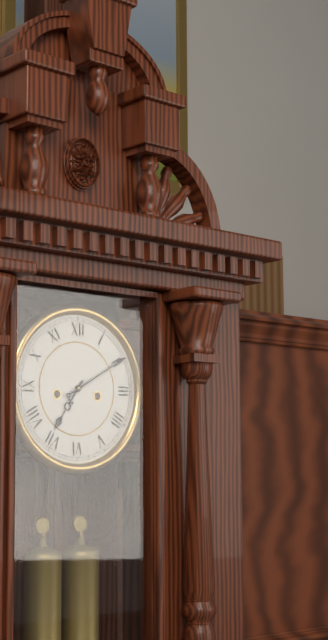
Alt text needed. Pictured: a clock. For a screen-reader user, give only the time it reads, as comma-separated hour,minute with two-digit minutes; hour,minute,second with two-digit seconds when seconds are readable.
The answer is 7,10
